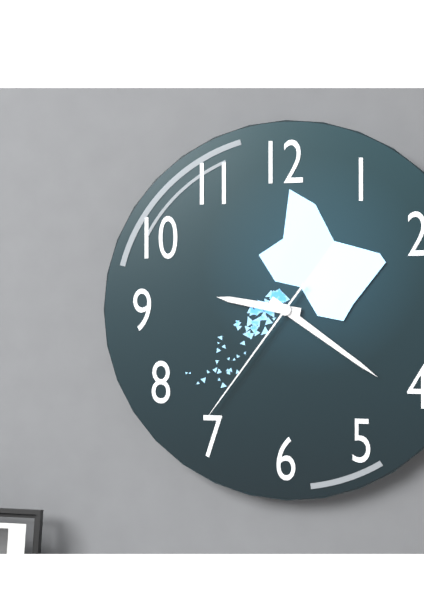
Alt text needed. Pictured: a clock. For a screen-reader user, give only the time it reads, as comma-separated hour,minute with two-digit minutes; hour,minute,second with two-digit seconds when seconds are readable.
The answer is 9,21,36
